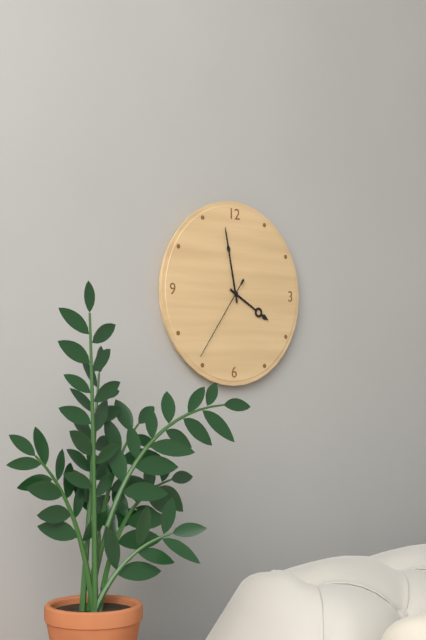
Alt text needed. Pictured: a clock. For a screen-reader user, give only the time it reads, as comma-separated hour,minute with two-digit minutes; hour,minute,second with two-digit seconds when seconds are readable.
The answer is 3,58,36
